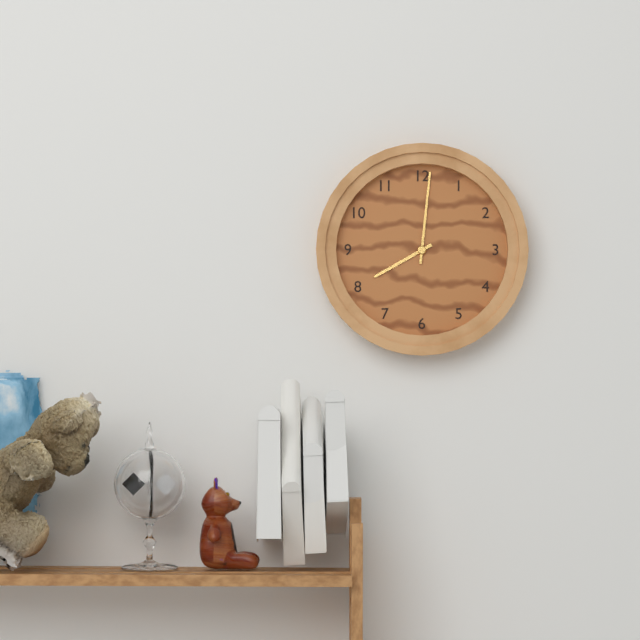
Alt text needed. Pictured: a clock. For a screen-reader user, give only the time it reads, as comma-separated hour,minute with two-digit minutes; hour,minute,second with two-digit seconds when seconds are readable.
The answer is 8,01
